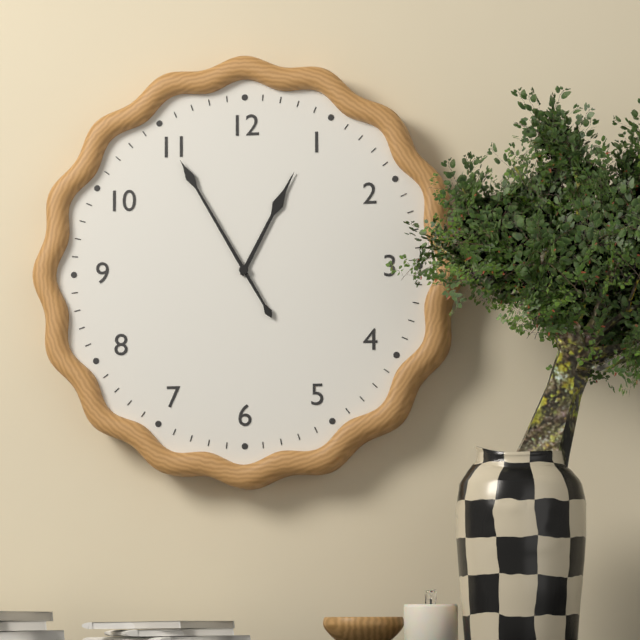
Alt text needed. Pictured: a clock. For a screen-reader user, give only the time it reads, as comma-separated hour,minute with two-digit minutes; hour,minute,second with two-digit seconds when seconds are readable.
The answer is 12,55
